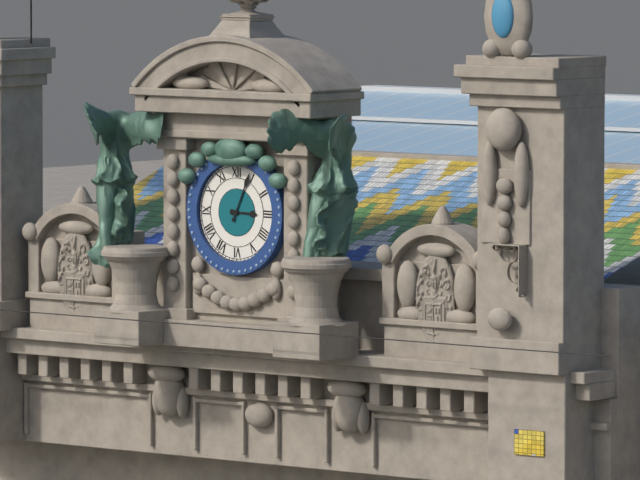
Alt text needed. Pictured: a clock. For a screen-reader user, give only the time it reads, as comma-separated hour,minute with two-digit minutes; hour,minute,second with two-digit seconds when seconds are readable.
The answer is 3,04
